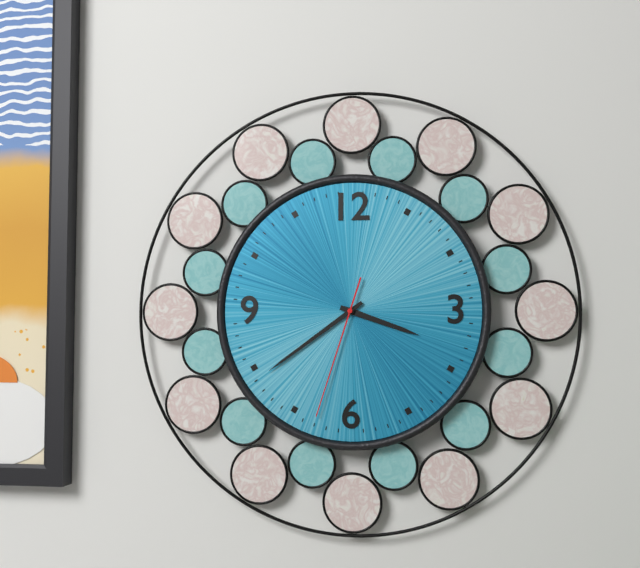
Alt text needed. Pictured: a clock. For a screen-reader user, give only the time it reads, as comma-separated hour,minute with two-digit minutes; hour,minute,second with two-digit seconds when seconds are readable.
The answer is 3,39,33
